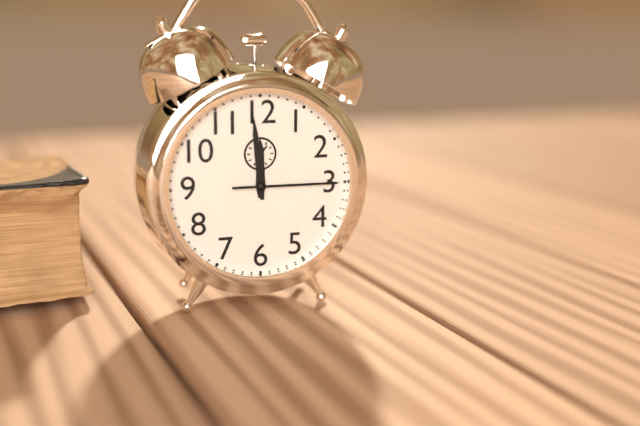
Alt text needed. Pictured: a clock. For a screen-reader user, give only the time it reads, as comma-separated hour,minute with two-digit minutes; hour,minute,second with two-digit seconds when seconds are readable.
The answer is 11,59,15
